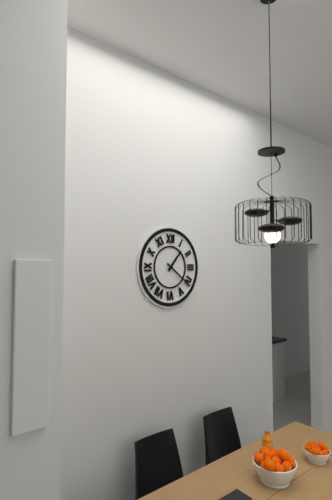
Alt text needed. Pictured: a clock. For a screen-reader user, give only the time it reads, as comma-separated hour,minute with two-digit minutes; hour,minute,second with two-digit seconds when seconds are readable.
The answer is 1,21
